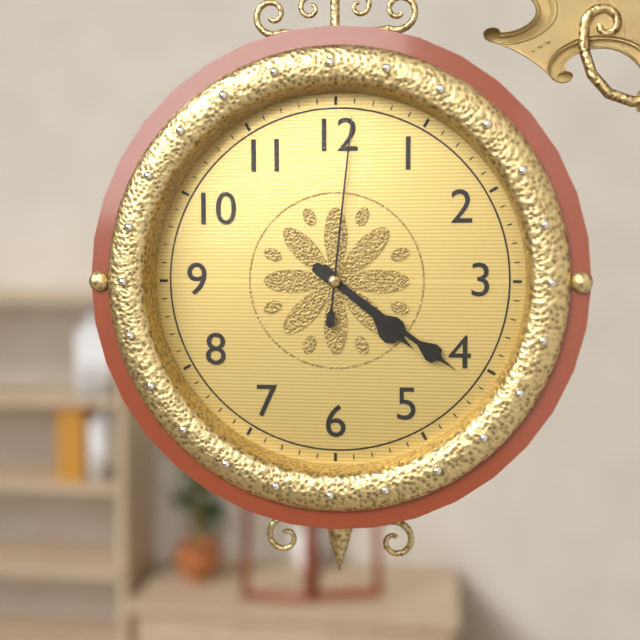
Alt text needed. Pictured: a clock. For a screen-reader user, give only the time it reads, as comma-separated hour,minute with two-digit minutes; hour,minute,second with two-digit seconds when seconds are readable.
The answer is 4,21,01
